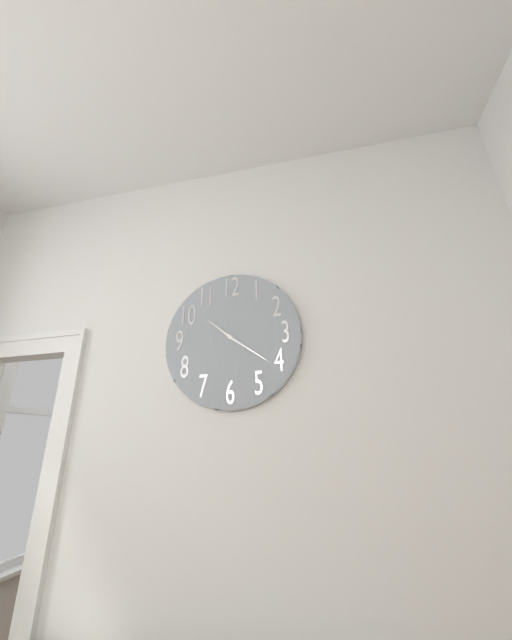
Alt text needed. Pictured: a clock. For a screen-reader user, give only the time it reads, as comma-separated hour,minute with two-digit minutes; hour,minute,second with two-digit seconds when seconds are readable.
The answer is 10,21
